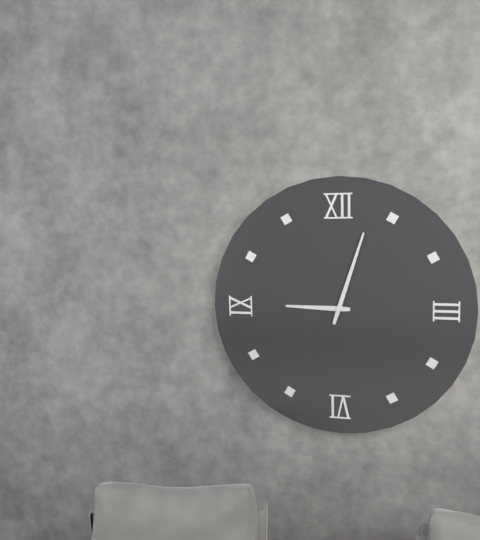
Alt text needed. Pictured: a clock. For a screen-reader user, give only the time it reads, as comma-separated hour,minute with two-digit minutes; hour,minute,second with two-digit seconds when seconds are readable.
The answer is 9,03
